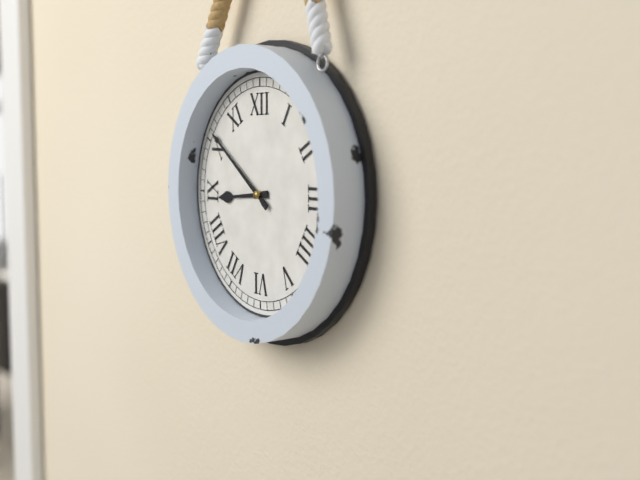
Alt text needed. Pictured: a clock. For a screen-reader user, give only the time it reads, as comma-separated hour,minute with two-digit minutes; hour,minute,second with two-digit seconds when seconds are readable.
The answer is 8,51
